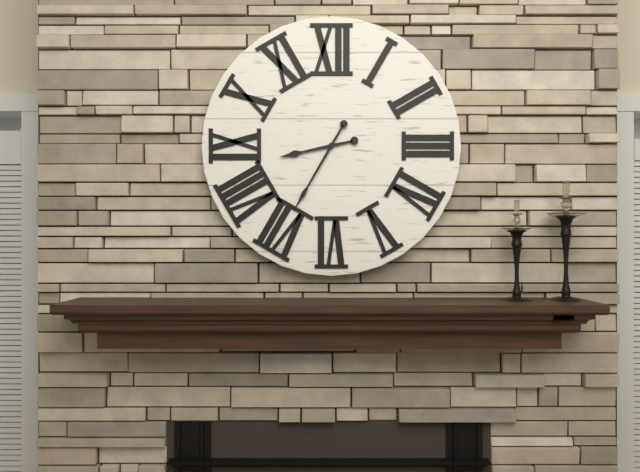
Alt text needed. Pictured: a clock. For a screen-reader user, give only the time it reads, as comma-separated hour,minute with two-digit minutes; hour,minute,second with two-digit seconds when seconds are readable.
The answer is 8,35
